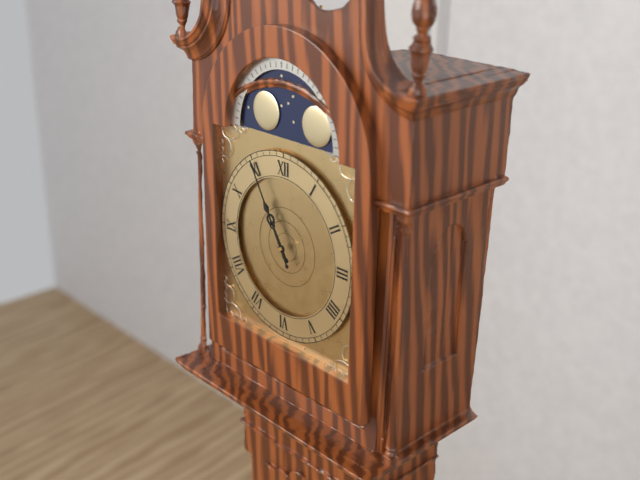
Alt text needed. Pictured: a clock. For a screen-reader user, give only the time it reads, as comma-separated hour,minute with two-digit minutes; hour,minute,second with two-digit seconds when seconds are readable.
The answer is 10,55
